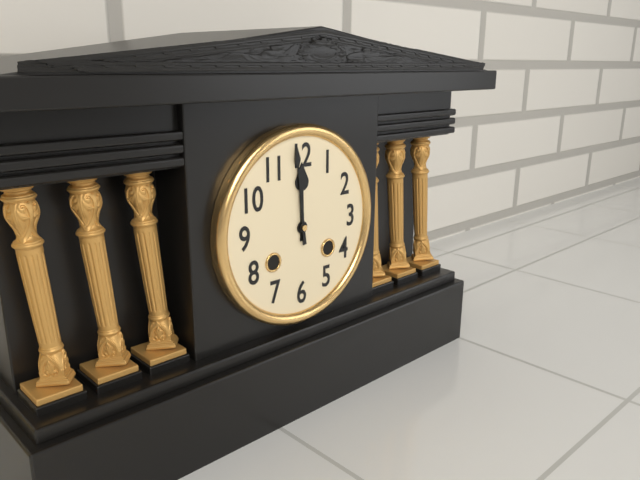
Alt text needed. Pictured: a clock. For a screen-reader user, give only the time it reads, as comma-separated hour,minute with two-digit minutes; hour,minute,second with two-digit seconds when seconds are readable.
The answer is 11,59
